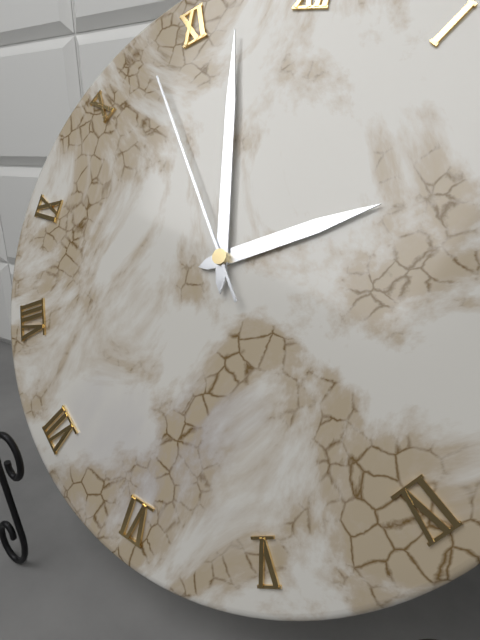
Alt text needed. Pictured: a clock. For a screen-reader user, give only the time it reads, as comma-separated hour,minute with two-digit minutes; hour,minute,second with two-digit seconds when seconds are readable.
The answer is 1,57,53
